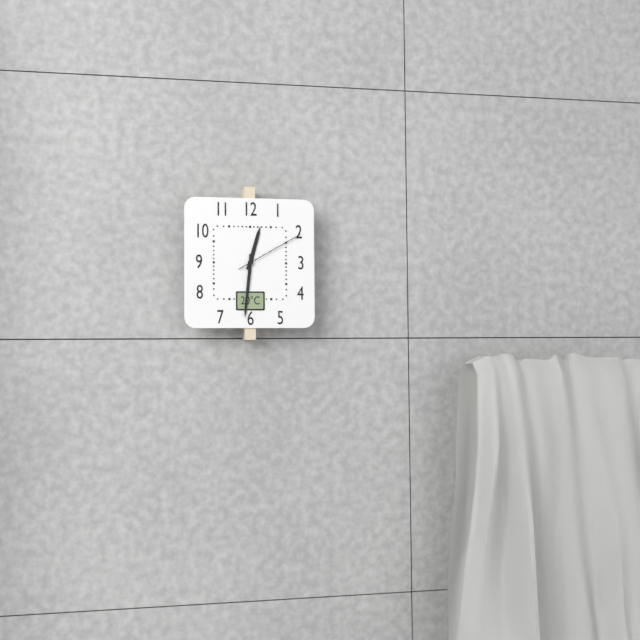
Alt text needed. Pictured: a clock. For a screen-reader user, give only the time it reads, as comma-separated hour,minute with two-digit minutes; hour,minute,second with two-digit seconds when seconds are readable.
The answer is 12,31,10
